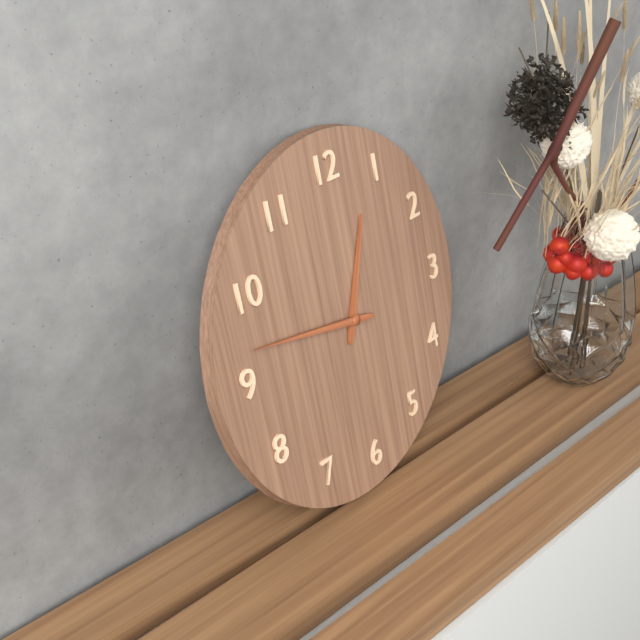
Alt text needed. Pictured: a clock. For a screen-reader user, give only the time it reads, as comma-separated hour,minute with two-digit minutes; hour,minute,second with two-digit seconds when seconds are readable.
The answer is 12,47
